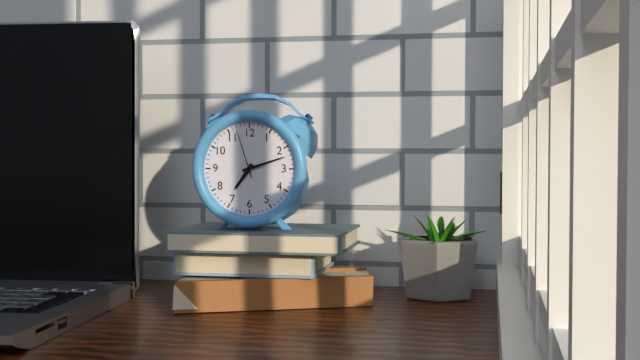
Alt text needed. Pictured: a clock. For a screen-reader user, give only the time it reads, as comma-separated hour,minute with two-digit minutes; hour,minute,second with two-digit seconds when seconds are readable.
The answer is 7,12,57
